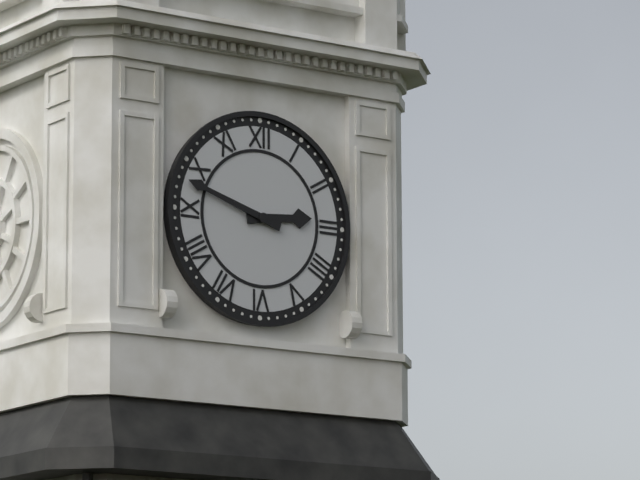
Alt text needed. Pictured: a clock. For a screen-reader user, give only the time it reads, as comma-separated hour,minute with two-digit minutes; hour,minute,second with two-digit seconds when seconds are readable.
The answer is 2,48
